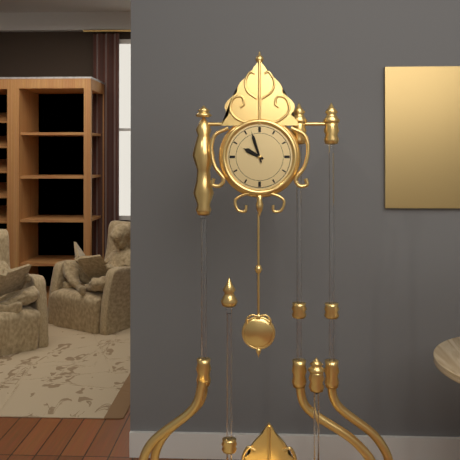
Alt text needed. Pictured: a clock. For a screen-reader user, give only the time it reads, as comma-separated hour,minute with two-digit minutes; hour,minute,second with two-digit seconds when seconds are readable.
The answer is 9,57
